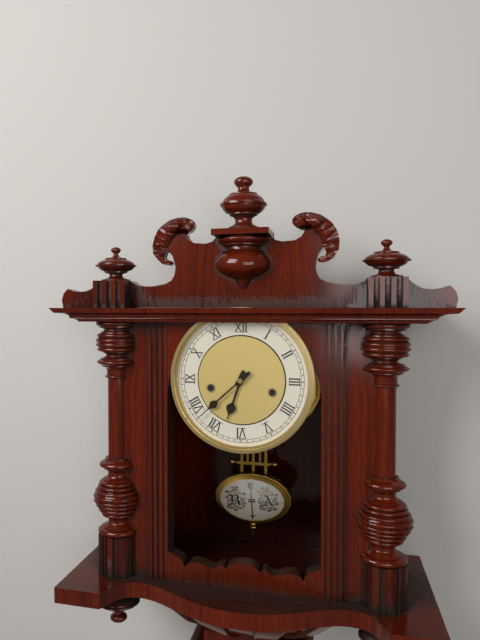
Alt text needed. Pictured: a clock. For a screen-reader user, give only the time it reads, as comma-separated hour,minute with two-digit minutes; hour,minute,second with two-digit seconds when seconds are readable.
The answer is 6,38
